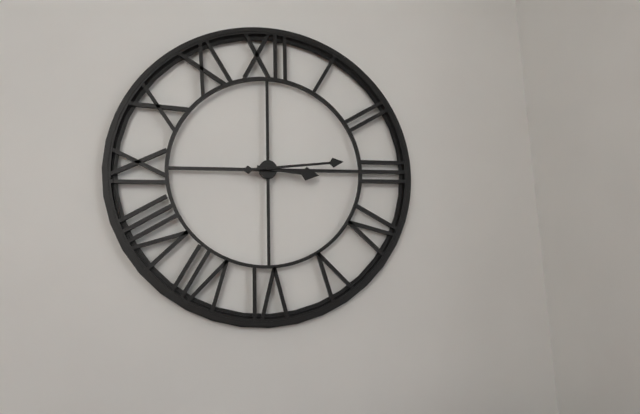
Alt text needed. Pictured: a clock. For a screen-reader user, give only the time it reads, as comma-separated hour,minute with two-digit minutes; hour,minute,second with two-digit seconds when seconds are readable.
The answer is 3,14
